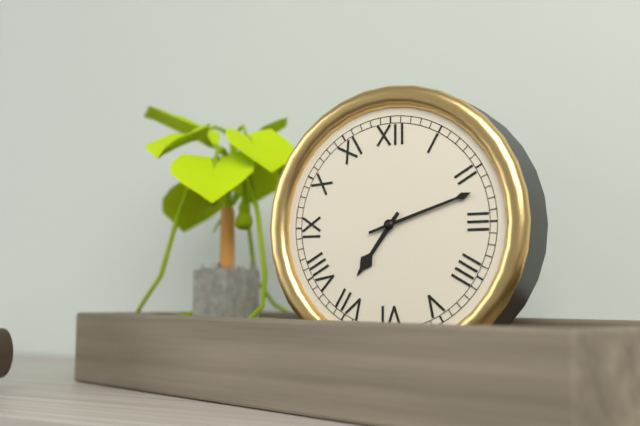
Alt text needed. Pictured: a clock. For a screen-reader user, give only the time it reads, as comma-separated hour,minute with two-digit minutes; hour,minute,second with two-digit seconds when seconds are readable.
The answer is 7,12
